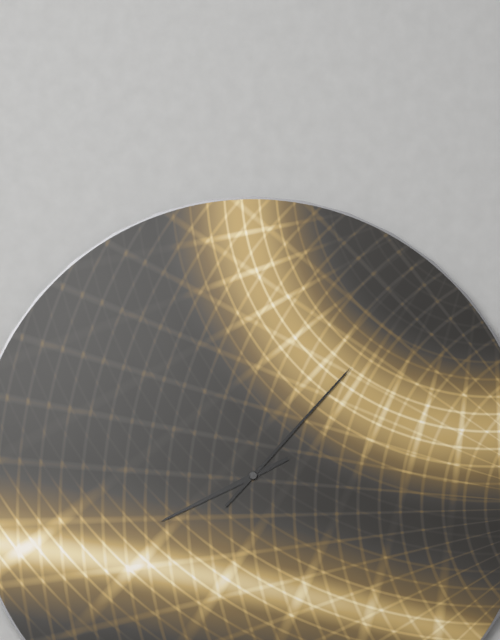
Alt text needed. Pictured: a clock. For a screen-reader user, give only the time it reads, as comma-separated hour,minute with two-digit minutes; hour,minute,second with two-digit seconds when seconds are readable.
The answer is 8,07
